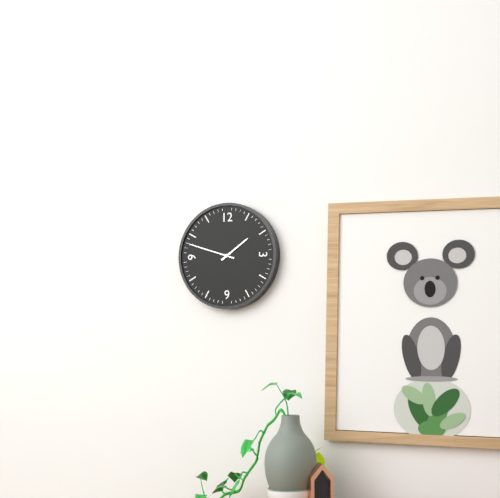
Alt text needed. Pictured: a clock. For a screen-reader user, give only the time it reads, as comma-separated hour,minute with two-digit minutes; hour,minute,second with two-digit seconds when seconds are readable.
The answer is 1,48
